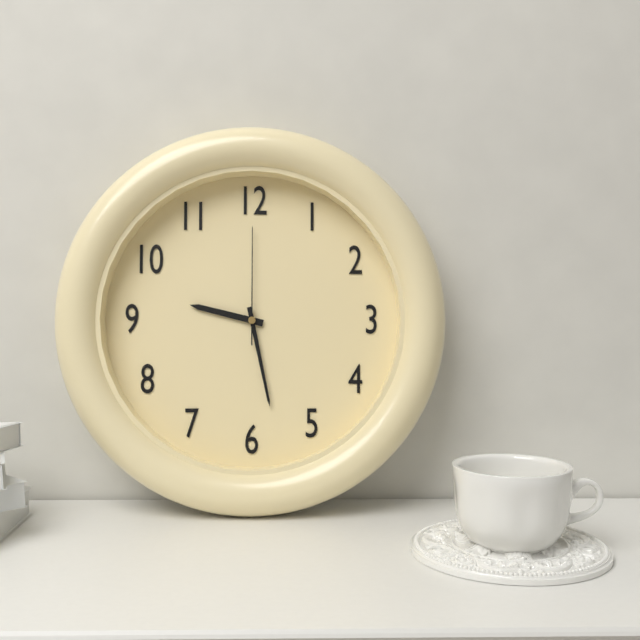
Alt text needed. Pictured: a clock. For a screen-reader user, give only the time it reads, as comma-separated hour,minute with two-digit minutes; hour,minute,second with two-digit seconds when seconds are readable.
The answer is 9,28,00
